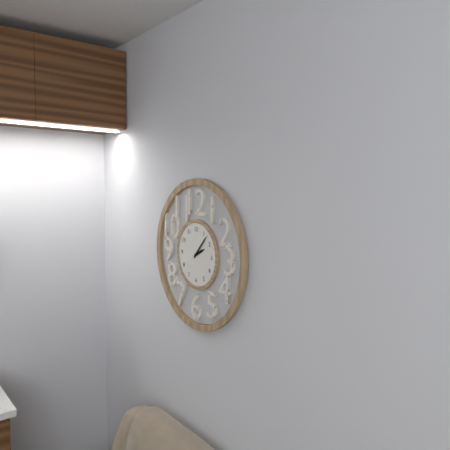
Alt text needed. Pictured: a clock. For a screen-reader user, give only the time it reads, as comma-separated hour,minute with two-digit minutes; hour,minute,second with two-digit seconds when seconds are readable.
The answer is 2,07
